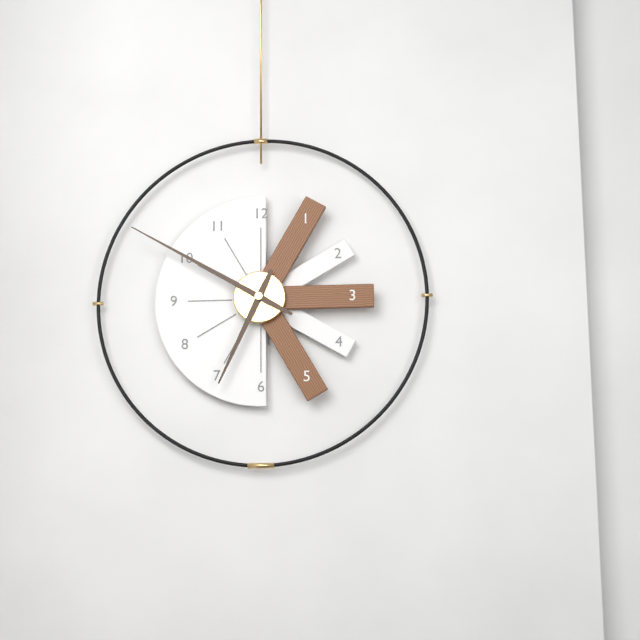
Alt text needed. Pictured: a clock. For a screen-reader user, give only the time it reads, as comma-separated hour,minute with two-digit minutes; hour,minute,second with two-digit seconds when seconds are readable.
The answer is 6,50
